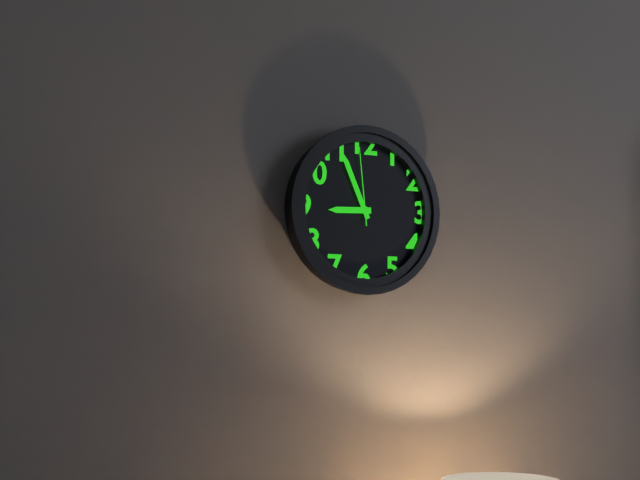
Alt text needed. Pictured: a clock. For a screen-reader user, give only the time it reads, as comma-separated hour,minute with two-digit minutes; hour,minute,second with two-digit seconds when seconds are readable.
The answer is 8,56,59
